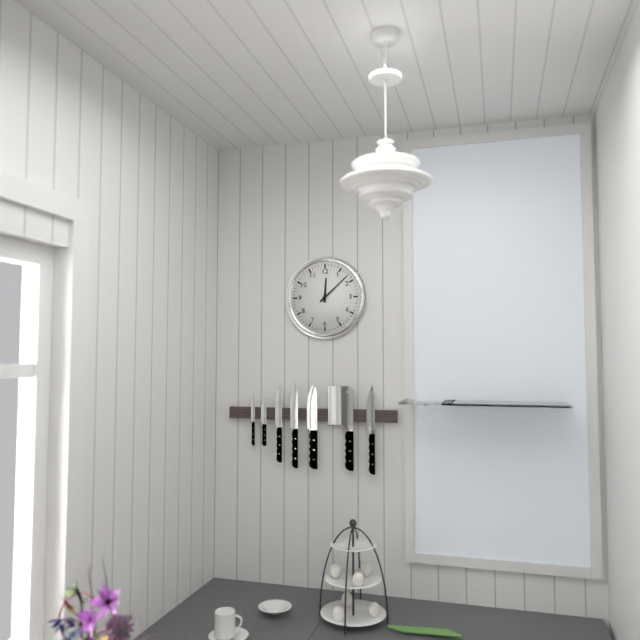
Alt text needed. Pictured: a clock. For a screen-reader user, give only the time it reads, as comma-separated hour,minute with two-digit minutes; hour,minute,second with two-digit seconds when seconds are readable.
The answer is 12,08
